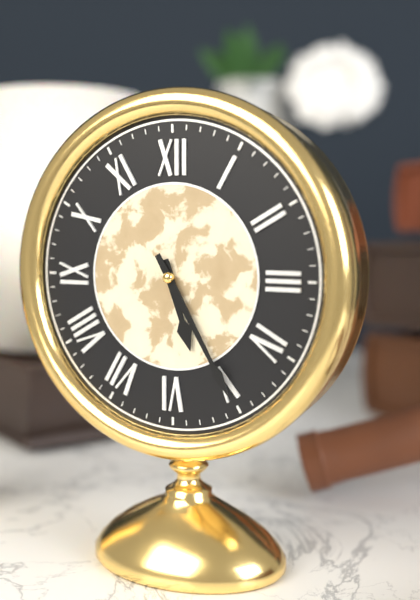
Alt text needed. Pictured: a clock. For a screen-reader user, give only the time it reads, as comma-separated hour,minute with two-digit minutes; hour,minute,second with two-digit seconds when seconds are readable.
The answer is 5,25
